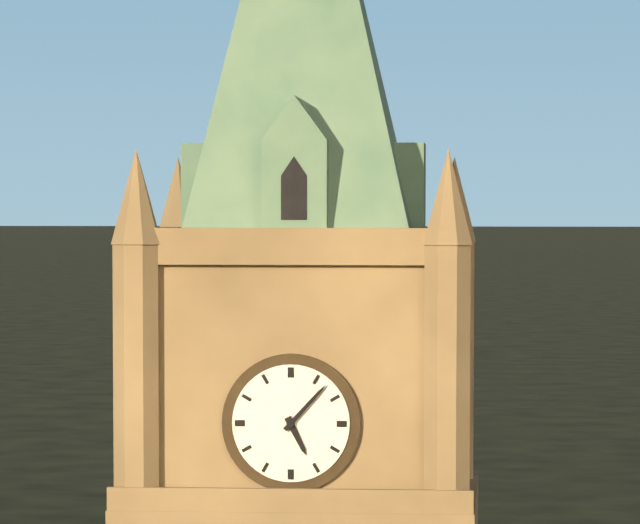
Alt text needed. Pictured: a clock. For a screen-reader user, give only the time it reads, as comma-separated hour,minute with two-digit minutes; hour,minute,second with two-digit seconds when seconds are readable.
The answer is 5,07
